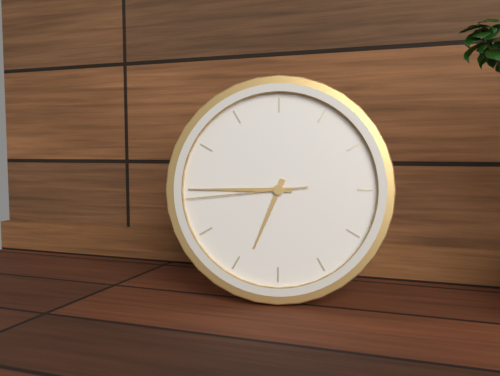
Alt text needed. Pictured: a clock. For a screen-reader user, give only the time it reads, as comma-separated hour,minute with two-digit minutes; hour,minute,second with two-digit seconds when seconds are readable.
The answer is 6,45,44
